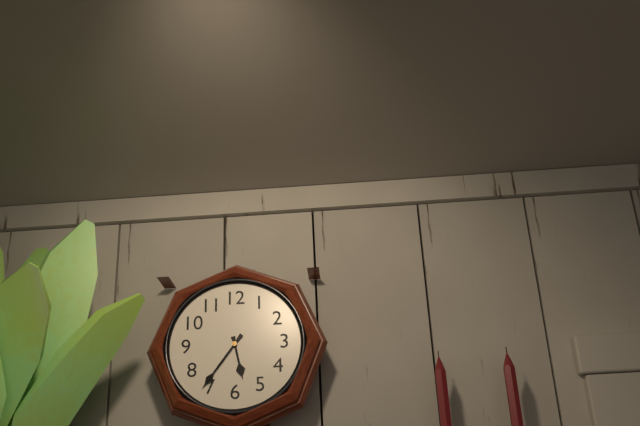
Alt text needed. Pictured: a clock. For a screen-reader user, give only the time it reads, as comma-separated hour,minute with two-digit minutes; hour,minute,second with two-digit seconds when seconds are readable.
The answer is 5,36
